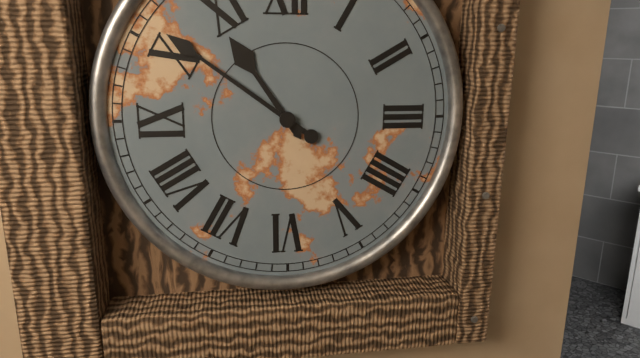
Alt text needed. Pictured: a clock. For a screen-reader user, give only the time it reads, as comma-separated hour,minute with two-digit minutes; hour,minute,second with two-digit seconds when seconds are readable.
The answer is 10,51
